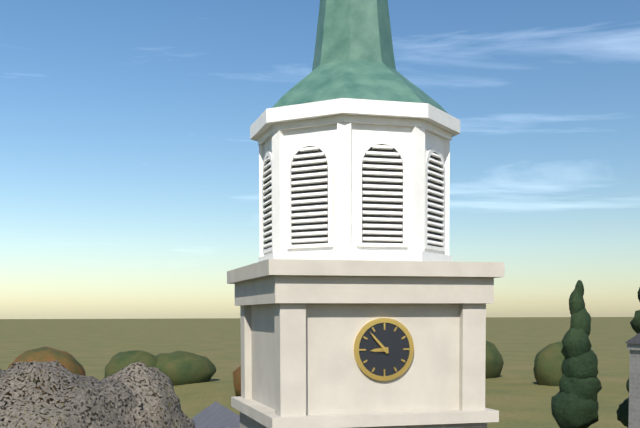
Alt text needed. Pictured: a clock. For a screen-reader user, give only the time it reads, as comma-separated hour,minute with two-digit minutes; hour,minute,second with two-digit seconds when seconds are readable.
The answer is 8,53
